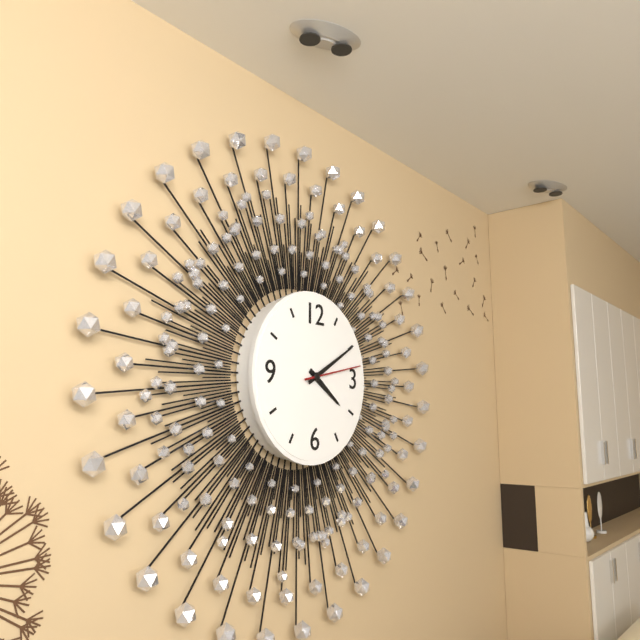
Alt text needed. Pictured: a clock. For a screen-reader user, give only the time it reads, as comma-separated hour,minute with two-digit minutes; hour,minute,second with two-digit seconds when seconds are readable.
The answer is 4,10,13
